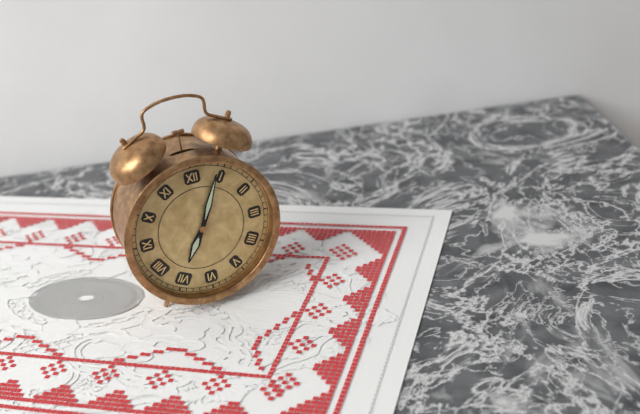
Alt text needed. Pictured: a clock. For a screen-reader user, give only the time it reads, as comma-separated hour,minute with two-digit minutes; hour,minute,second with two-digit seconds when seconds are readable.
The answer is 7,04
